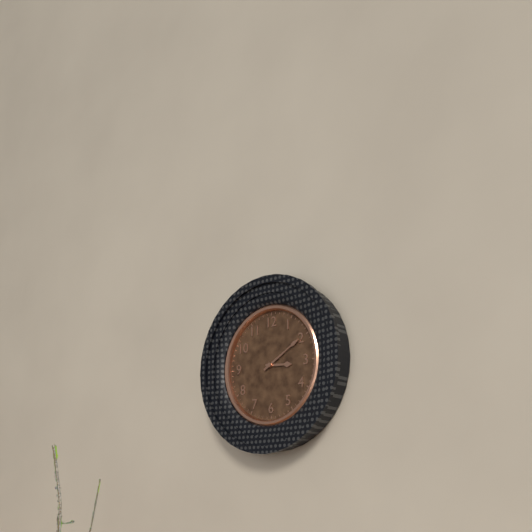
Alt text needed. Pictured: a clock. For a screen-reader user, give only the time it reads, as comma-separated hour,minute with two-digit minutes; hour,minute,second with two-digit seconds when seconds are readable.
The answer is 3,10
